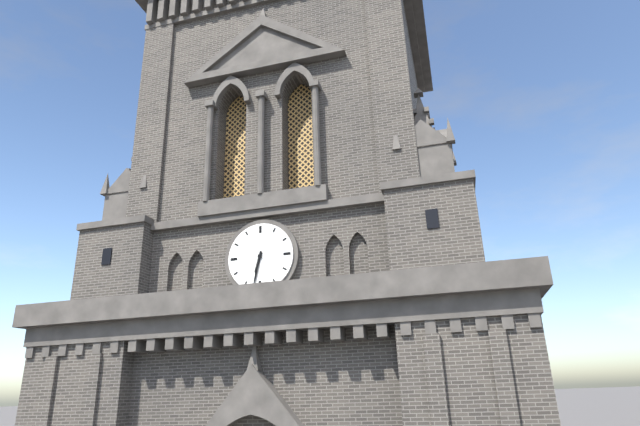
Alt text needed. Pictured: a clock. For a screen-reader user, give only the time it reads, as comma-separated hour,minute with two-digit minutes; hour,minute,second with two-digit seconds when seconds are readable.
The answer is 6,32
